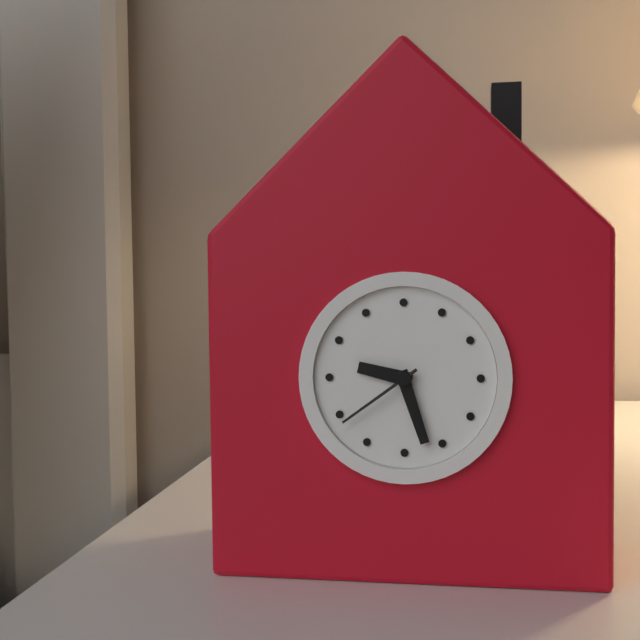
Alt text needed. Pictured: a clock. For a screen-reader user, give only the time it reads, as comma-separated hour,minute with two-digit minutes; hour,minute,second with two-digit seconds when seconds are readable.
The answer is 9,27,39
